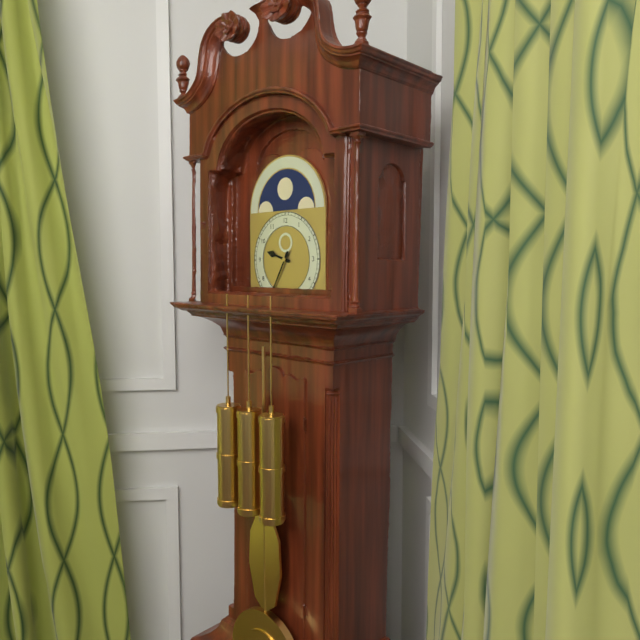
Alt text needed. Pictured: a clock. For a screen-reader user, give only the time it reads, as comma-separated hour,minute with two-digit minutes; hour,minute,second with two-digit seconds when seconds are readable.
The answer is 9,35
